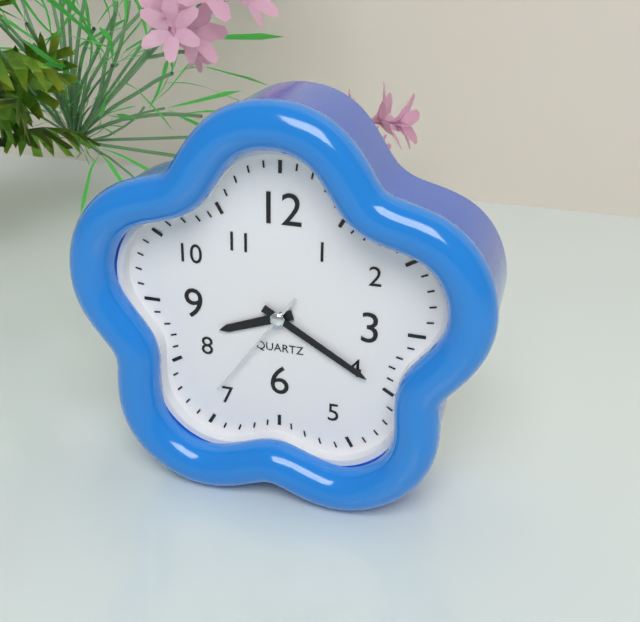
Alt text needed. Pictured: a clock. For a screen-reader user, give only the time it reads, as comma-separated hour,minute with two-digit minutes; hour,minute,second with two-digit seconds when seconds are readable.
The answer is 8,20,36
